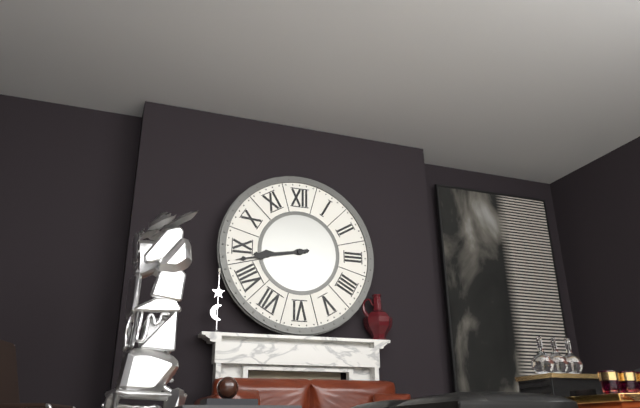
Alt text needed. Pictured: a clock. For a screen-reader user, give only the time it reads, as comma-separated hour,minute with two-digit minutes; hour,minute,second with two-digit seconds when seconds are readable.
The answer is 8,43
